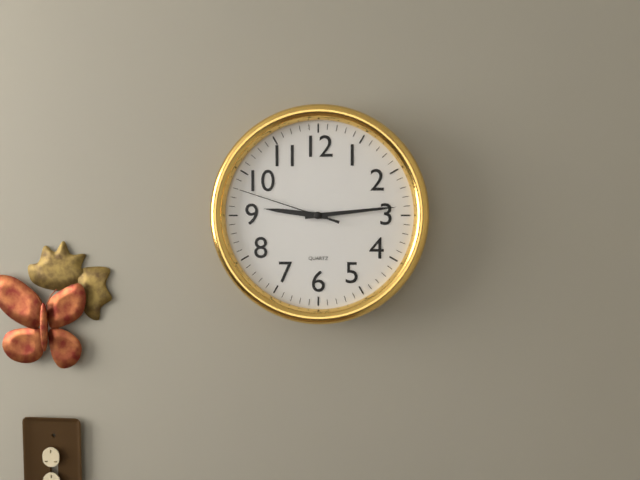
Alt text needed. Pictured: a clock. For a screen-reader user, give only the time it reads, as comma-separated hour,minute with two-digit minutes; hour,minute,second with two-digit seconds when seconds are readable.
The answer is 9,14,48
